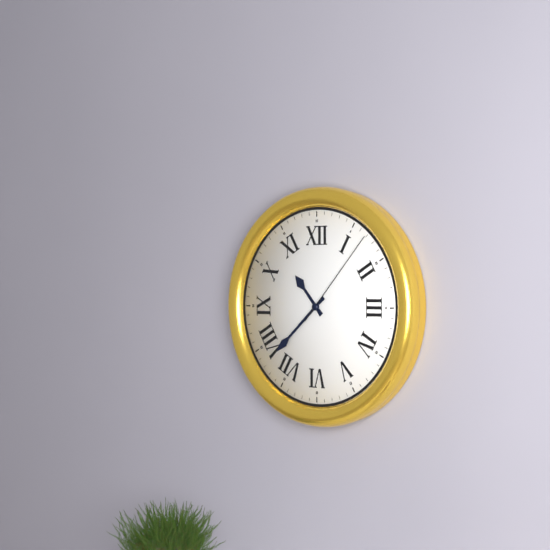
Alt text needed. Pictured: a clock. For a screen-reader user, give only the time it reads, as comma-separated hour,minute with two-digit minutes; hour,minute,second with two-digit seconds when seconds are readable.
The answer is 10,38,07
